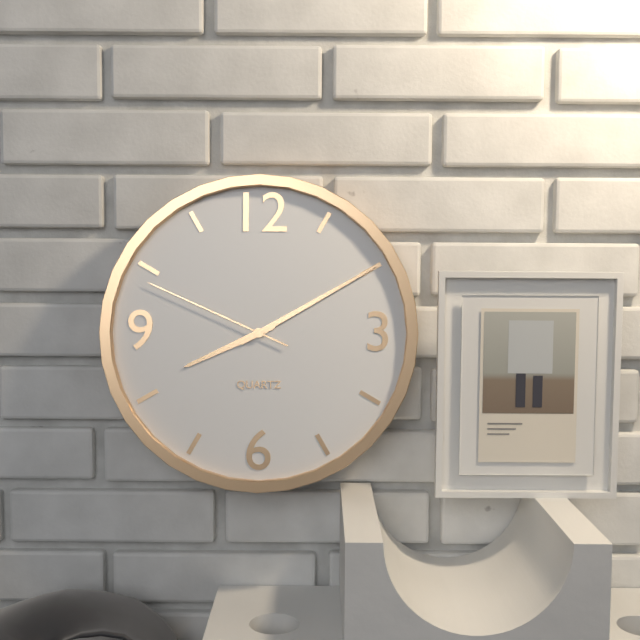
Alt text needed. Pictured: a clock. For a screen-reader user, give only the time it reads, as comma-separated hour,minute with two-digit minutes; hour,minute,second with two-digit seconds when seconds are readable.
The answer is 8,10,49
